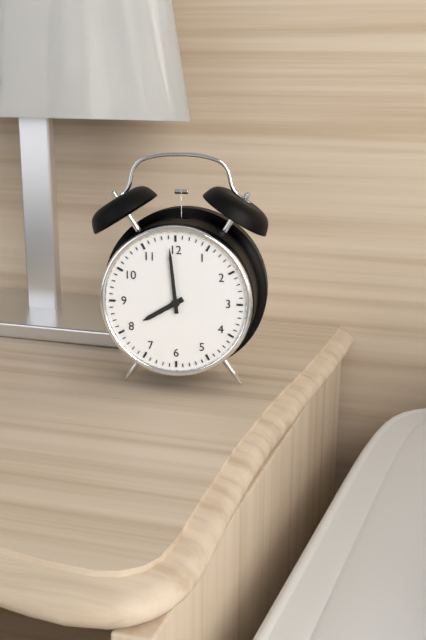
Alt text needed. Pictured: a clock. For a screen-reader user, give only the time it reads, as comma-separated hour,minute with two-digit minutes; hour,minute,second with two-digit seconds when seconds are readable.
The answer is 7,59
